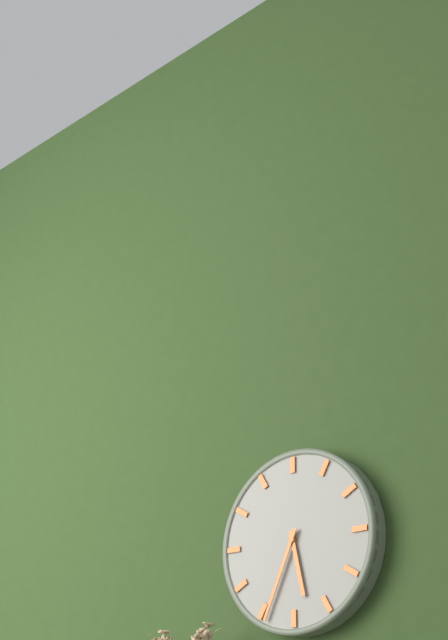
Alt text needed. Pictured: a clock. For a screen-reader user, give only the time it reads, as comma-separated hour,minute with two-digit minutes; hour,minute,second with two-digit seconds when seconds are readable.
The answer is 5,34
